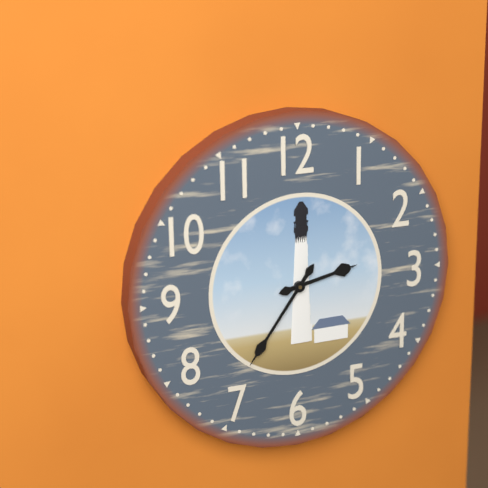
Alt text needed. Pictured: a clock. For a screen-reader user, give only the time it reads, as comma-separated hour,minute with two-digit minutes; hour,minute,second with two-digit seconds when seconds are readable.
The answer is 2,36
